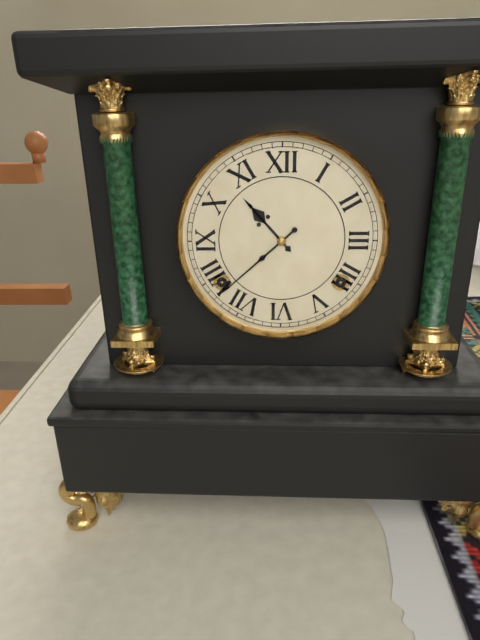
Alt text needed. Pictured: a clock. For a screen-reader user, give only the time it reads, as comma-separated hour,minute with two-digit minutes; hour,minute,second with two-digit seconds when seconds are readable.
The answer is 10,38
